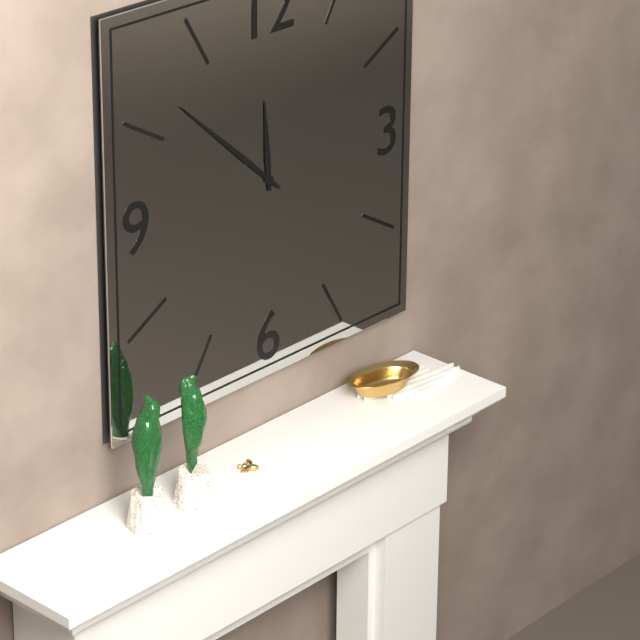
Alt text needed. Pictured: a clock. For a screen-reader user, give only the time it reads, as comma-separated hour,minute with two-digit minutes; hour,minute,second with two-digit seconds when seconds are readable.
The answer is 11,52
